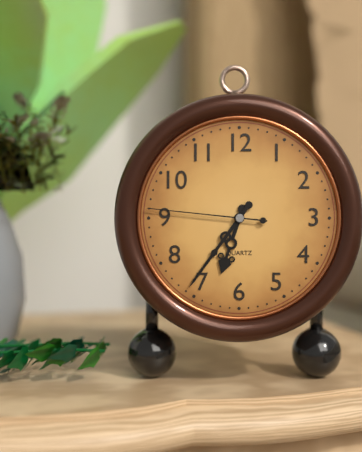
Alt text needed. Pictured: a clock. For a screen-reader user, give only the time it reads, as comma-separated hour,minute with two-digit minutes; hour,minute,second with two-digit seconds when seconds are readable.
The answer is 6,36,46
